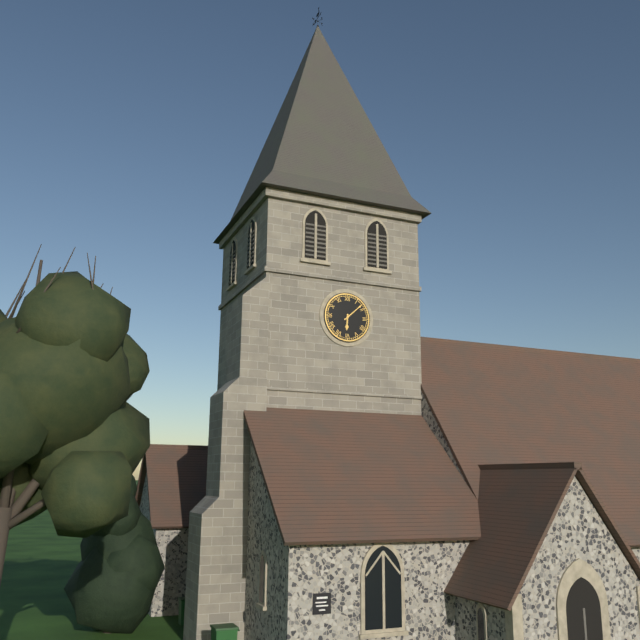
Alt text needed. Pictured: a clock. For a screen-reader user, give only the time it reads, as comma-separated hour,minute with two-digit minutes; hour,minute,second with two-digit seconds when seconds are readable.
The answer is 6,08
